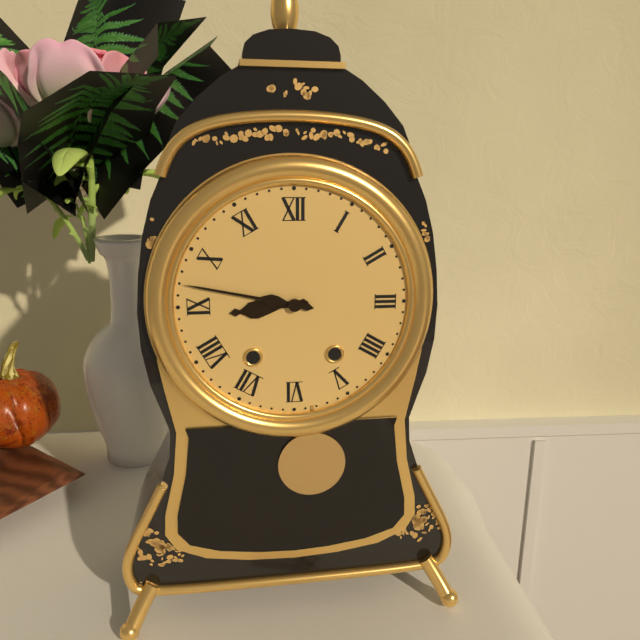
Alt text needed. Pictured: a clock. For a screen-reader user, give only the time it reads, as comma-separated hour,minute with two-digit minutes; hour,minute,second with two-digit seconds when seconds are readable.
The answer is 8,47
